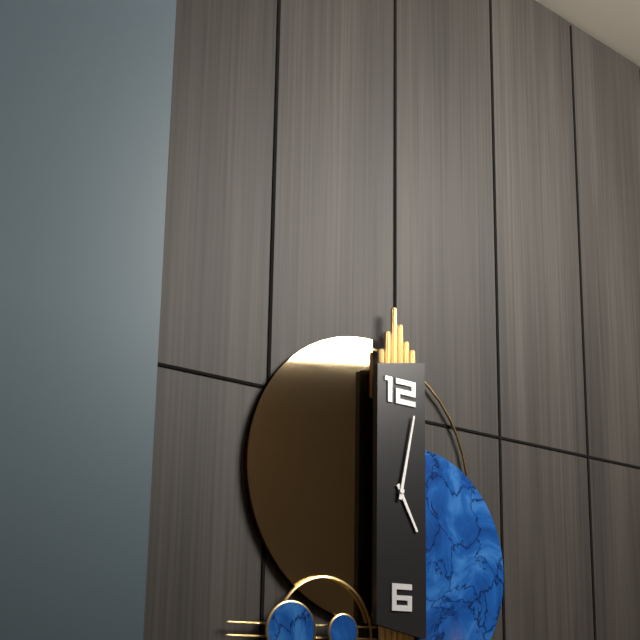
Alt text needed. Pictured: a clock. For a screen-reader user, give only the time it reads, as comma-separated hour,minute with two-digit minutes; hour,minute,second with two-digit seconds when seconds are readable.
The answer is 5,02
